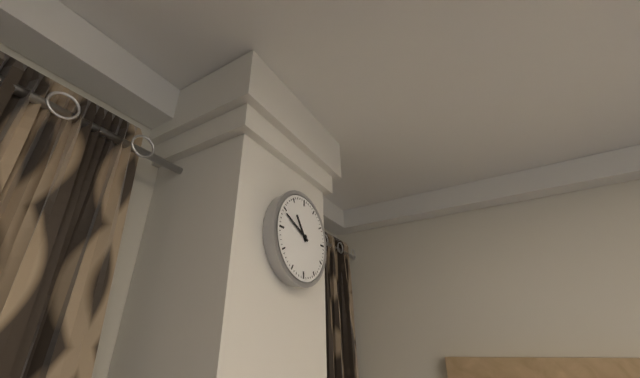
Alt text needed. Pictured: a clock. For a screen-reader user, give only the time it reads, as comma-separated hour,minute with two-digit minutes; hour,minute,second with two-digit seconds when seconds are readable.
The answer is 10,49
